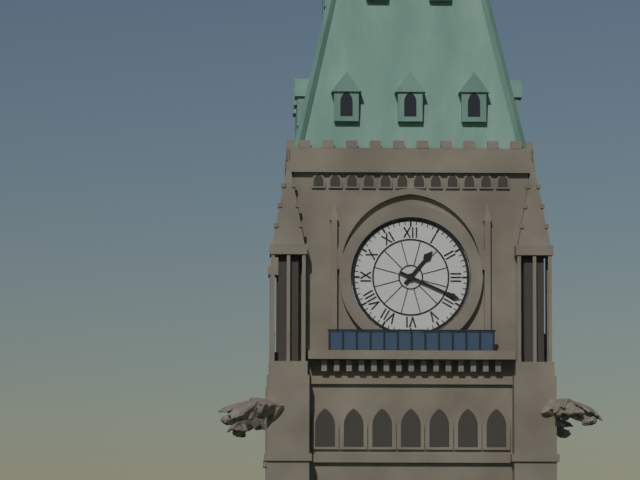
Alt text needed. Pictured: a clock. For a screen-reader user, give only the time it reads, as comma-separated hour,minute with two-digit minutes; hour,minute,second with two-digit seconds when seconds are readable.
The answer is 1,19
